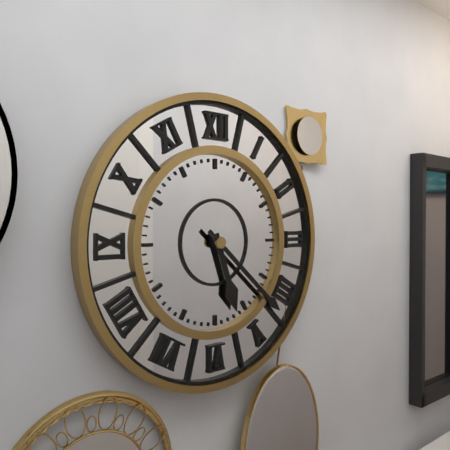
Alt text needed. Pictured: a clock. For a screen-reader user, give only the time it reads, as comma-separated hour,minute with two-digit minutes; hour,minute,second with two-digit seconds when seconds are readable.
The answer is 5,22
